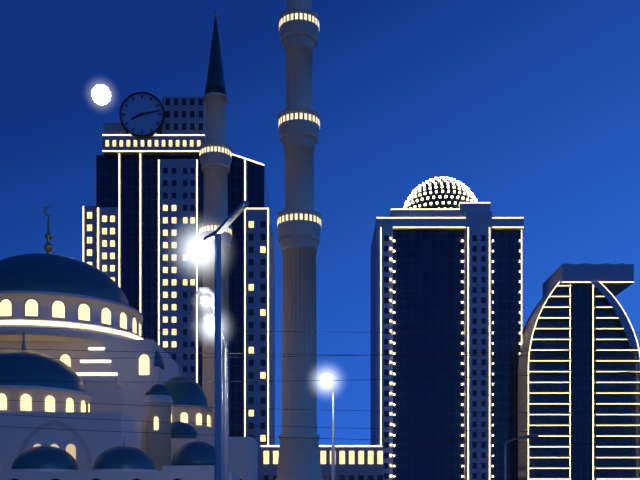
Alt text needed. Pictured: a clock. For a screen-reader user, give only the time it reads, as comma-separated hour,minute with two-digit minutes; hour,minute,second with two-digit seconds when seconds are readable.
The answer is 8,13
